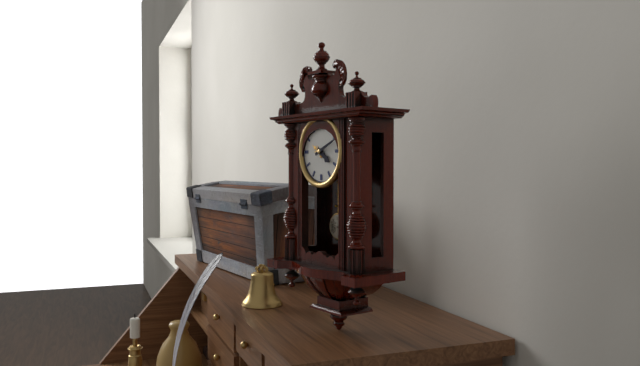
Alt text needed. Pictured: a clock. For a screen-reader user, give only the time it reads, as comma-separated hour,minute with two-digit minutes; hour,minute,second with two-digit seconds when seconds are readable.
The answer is 4,11
